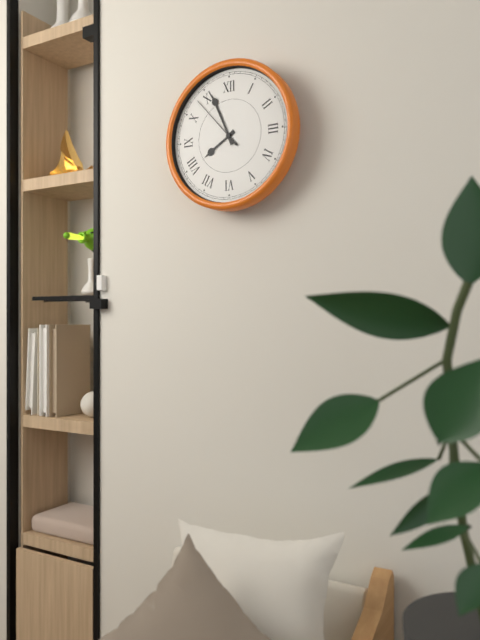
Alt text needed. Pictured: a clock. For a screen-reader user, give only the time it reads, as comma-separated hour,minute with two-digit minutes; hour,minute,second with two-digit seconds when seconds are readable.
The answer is 7,56,53
